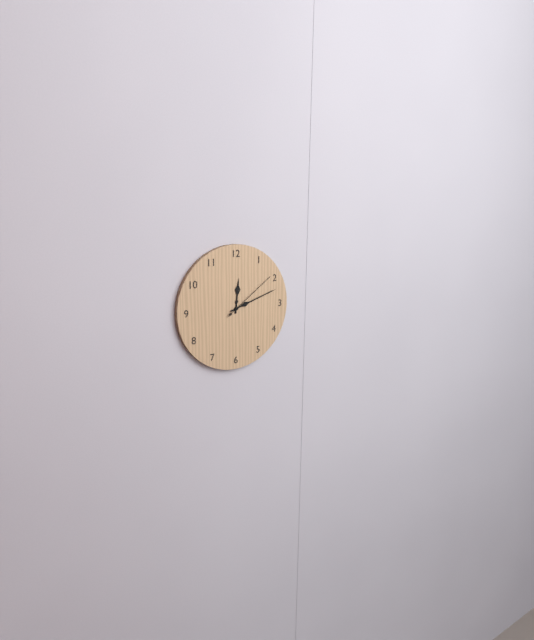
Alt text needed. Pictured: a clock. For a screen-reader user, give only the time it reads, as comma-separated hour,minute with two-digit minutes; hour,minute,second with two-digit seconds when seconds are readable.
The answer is 12,12,09
